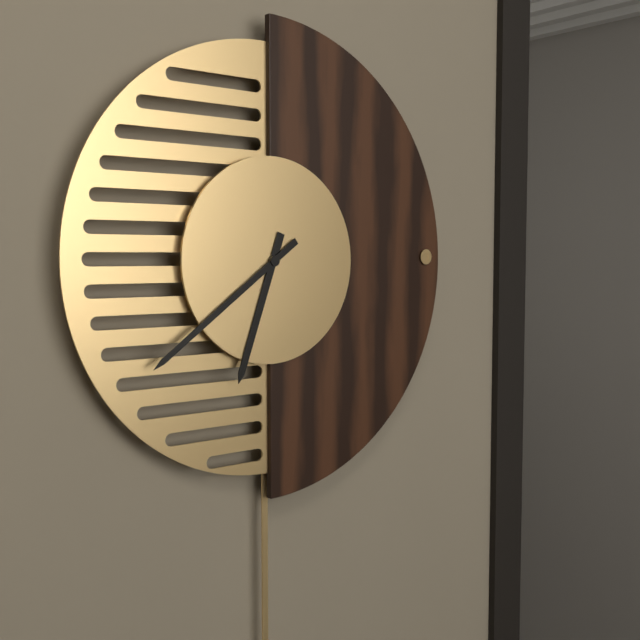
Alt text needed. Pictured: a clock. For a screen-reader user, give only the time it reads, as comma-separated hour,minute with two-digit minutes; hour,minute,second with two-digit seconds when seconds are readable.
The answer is 6,39
